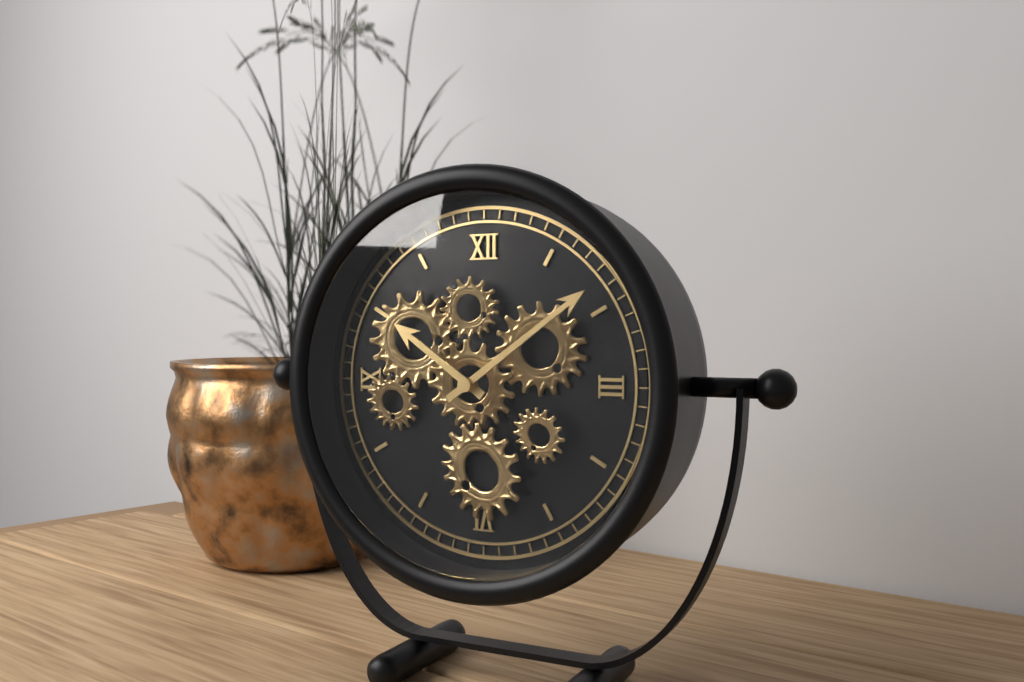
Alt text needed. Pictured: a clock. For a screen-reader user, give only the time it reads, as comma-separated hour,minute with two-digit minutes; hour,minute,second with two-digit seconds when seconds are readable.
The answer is 10,09
